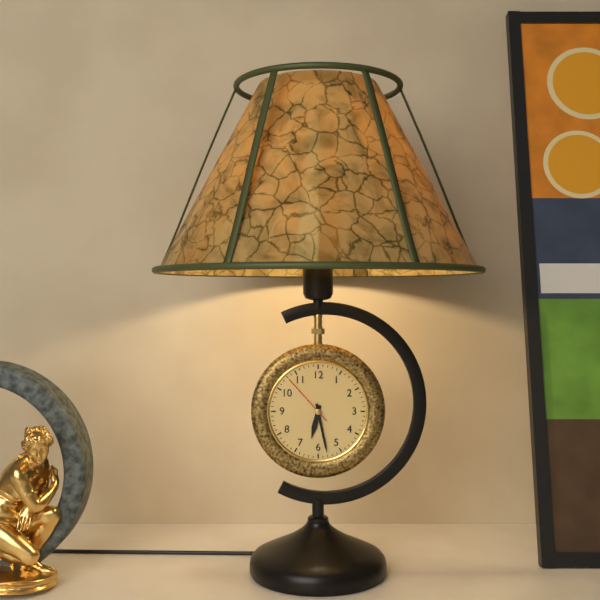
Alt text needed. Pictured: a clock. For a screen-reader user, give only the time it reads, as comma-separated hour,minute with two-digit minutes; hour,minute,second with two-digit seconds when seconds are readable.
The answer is 6,28,53
